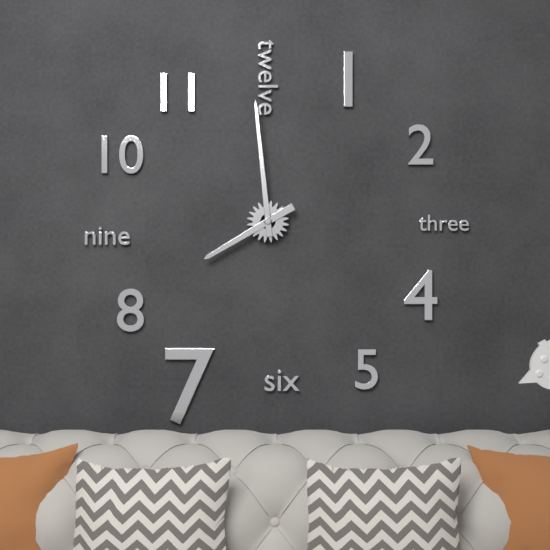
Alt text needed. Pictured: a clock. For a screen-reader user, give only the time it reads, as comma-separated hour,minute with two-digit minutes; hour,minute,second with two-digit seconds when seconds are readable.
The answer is 7,59
